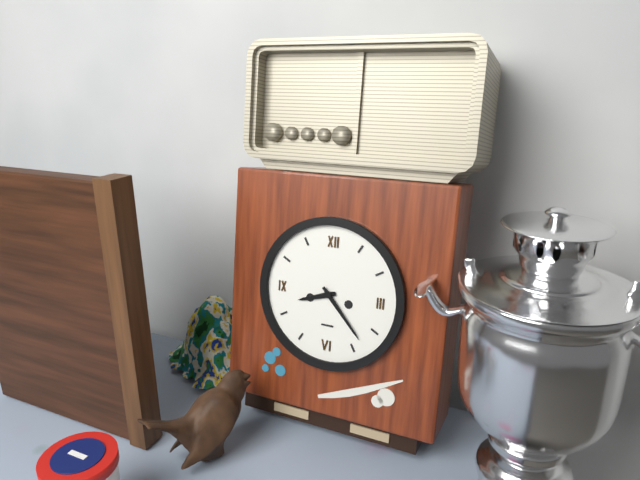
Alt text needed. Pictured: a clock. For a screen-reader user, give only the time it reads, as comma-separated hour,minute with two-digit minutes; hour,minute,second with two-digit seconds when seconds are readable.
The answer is 8,23
